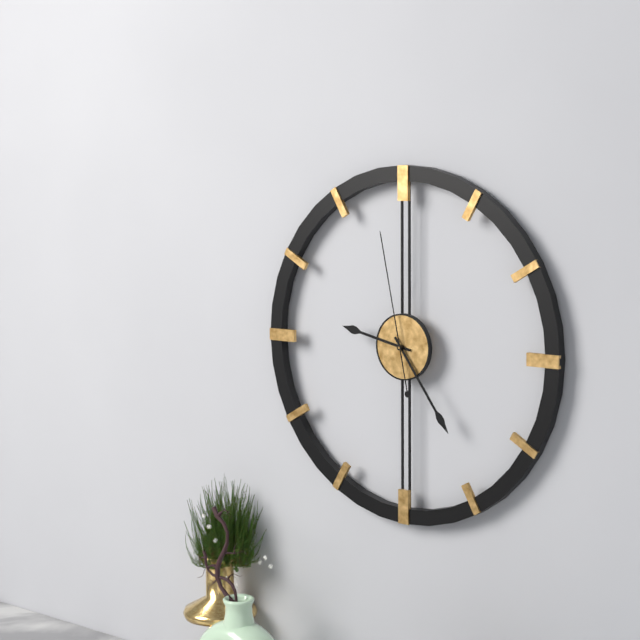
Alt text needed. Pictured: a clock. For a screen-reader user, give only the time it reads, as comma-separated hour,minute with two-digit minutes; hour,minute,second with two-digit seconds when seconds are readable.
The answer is 9,24,58
